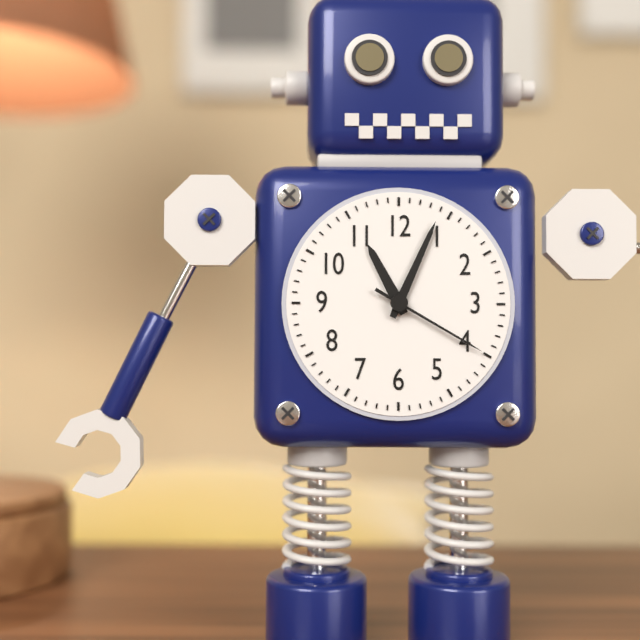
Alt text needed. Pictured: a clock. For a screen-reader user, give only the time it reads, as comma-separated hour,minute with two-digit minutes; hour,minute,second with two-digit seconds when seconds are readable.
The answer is 11,04,20
